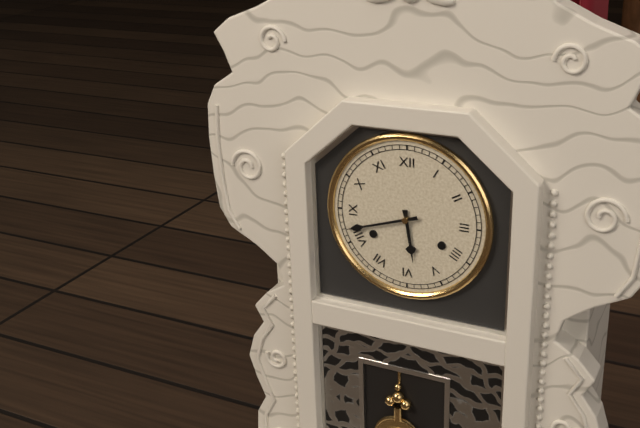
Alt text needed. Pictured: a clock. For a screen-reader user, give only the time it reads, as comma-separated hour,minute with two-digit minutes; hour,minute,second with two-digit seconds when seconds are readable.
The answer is 5,42
